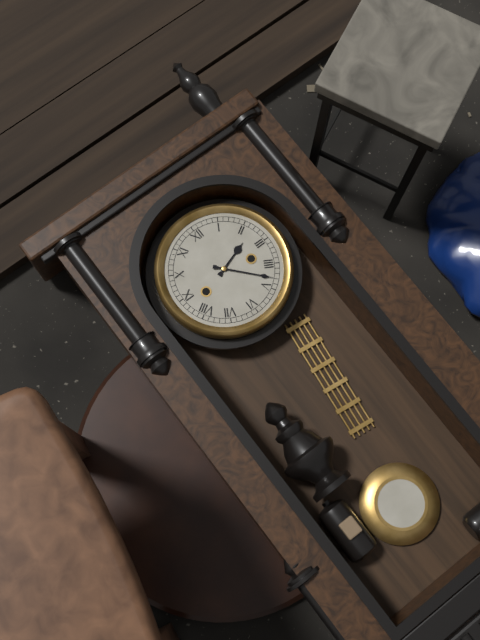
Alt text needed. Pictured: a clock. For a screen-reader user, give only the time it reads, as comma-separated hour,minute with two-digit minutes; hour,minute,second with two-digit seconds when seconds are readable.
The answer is 2,23
